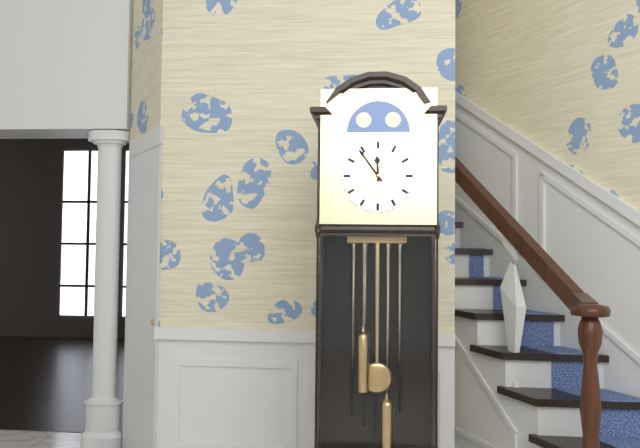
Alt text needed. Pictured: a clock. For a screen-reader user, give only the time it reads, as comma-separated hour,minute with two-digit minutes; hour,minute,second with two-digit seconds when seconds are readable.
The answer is 11,54
